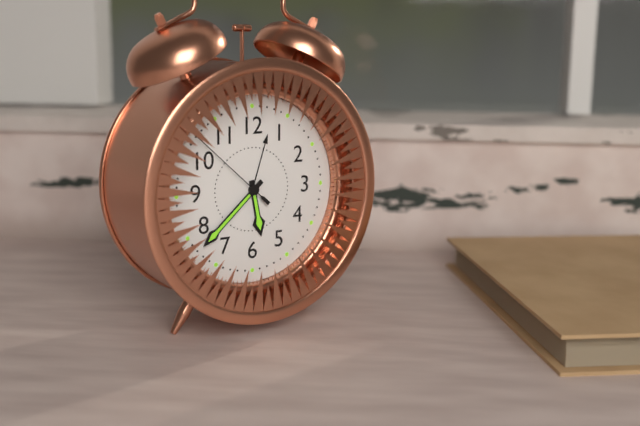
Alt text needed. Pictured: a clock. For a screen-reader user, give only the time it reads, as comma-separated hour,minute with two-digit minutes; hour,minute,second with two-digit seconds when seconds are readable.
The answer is 5,38,52
